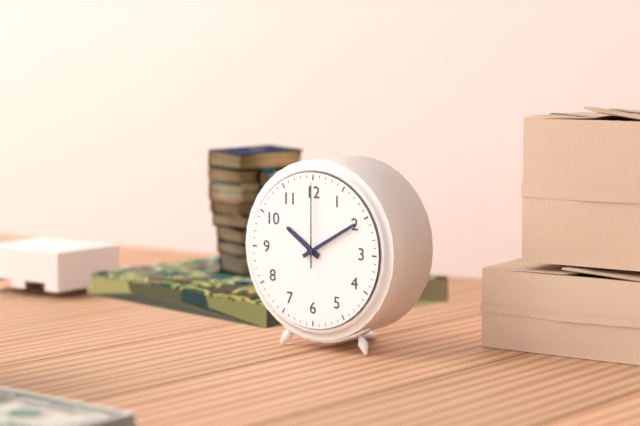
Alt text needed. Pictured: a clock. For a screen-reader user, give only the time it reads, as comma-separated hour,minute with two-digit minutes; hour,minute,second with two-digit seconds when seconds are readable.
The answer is 10,10,00
